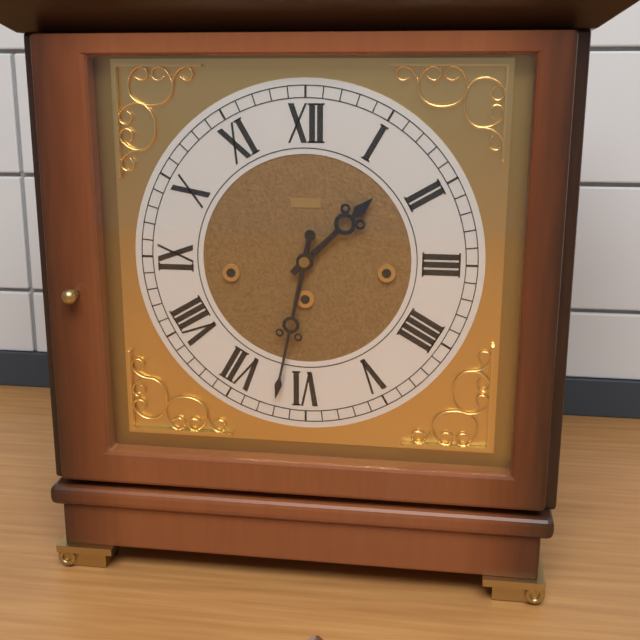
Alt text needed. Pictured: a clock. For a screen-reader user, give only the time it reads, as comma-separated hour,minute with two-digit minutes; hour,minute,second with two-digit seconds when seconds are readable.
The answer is 1,32
